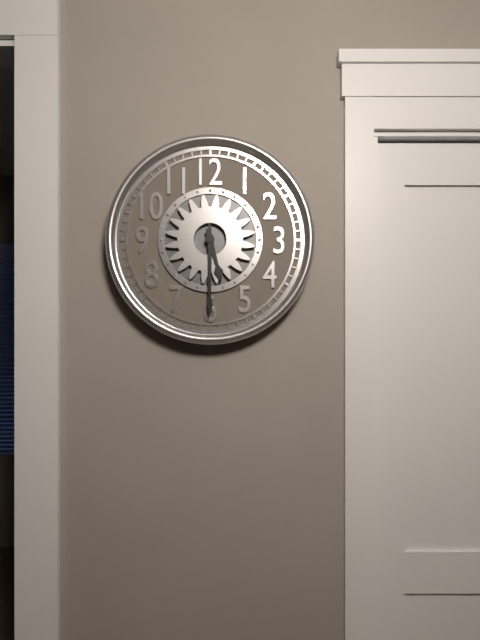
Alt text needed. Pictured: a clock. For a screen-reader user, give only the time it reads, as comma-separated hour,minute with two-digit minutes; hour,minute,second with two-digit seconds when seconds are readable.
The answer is 5,30
